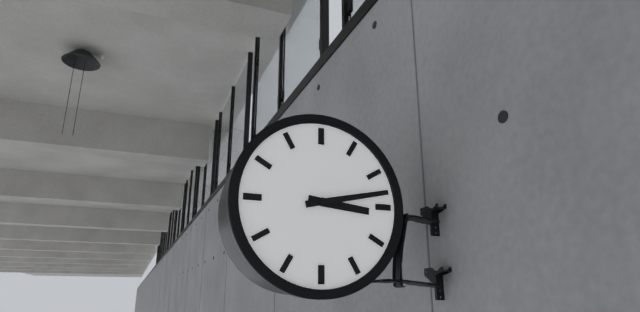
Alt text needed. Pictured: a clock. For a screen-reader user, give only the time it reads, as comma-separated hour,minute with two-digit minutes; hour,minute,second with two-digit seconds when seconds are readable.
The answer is 3,13
